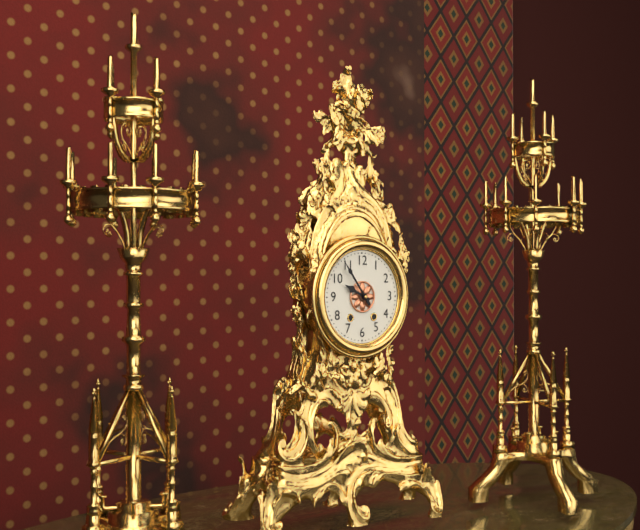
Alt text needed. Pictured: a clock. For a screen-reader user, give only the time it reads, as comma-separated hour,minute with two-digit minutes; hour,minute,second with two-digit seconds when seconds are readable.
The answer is 9,54
